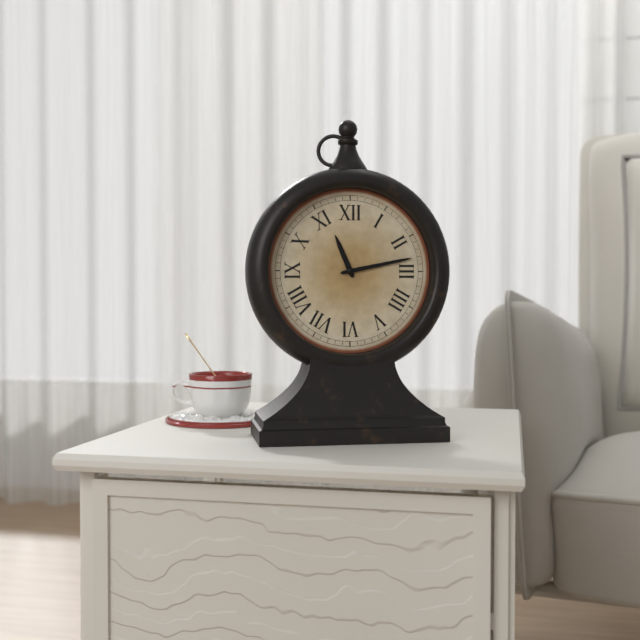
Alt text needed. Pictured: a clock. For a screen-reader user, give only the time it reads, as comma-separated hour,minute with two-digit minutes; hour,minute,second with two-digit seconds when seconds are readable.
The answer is 11,13
